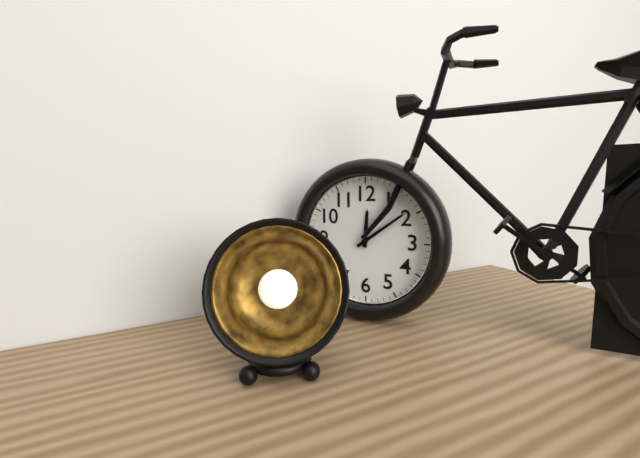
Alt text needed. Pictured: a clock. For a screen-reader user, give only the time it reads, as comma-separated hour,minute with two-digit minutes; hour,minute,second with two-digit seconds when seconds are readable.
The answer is 12,09
